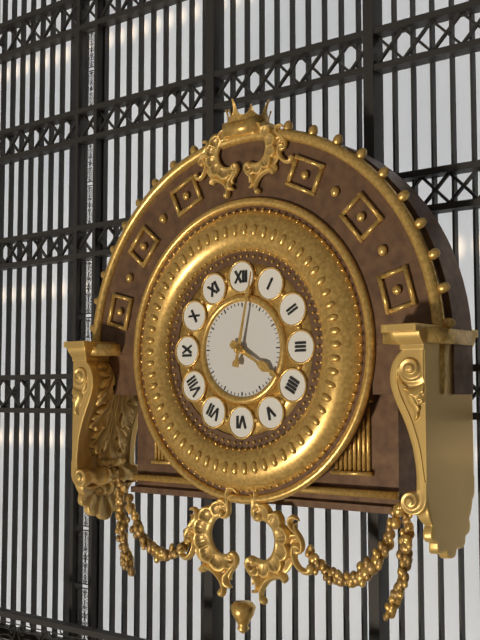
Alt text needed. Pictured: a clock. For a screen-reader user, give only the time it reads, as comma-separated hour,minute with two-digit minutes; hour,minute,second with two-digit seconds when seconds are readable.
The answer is 4,02
